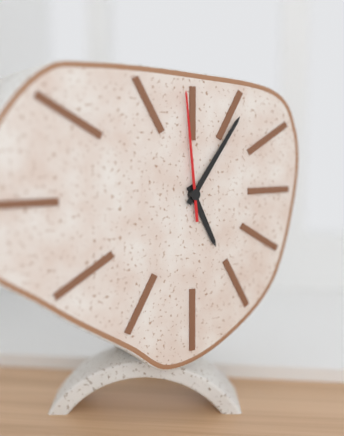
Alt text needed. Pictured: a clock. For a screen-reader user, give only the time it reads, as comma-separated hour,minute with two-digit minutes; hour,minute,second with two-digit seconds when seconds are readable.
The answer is 5,06,59
